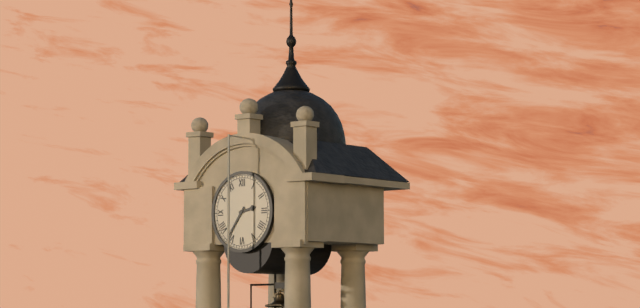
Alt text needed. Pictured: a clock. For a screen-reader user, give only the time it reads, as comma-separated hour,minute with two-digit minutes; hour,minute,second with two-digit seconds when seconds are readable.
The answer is 2,36
